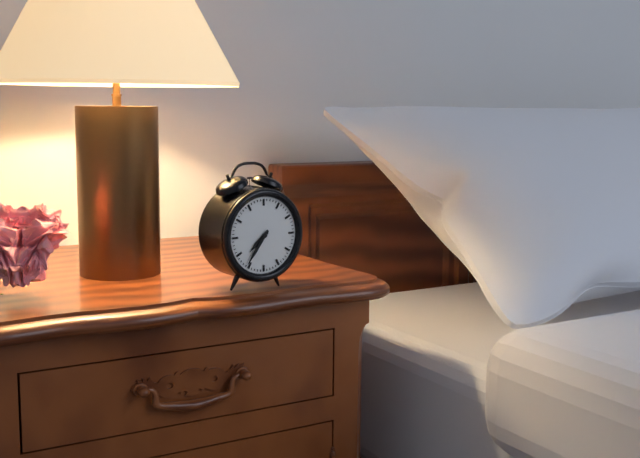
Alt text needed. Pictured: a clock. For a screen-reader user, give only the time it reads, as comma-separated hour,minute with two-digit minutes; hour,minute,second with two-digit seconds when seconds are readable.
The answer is 7,36
